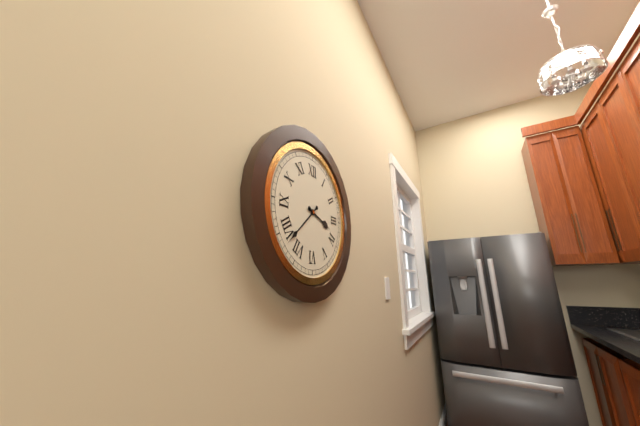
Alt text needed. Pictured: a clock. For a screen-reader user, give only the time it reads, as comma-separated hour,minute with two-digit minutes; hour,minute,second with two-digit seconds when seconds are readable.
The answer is 3,38
